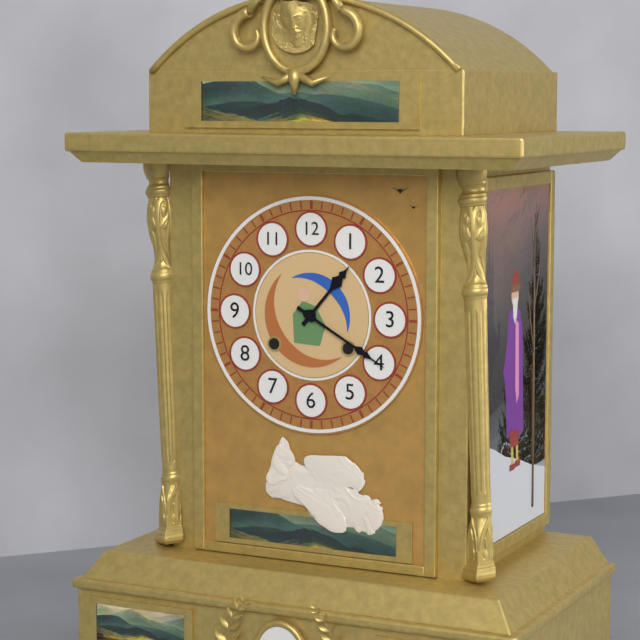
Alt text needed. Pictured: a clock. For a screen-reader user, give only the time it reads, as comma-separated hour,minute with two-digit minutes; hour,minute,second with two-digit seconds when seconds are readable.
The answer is 1,20
